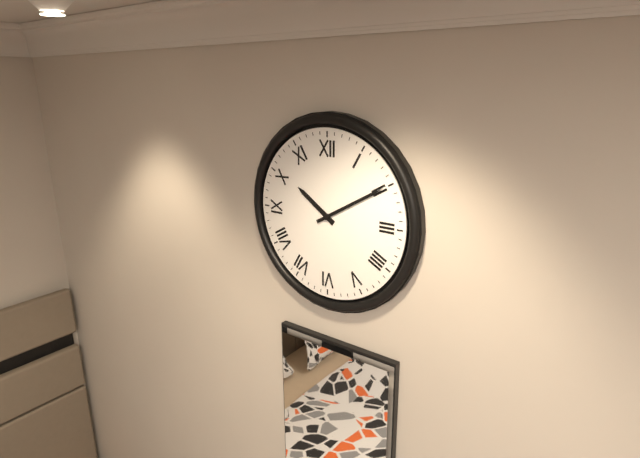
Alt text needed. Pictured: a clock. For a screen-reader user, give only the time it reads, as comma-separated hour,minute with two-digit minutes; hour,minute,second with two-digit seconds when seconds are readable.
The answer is 10,10
